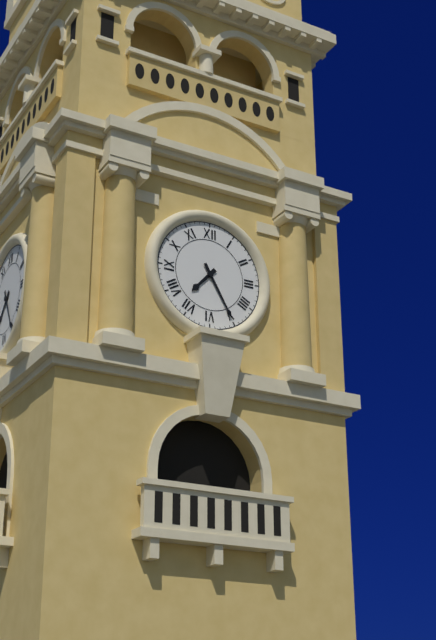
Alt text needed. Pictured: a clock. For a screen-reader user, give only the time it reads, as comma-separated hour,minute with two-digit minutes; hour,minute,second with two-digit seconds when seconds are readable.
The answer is 7,25
